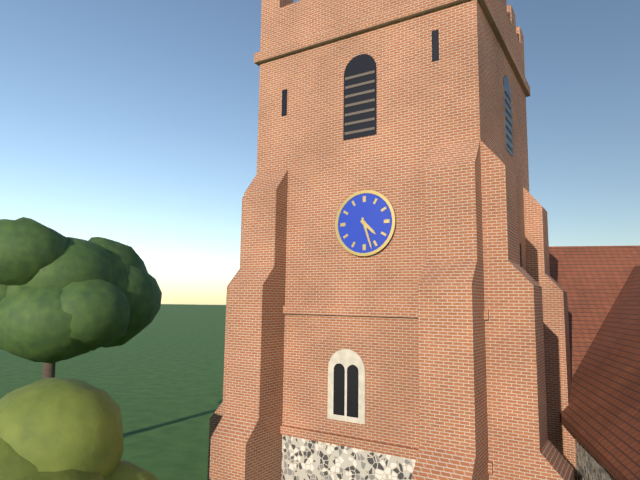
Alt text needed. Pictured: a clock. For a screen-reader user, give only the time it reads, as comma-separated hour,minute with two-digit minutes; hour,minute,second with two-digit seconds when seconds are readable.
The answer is 4,27
